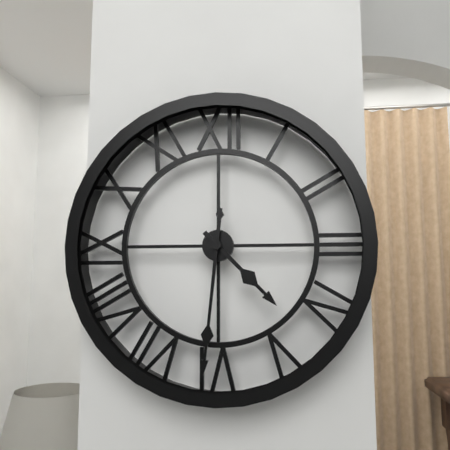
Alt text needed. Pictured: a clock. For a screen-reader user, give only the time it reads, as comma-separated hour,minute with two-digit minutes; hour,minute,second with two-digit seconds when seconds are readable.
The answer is 4,31
